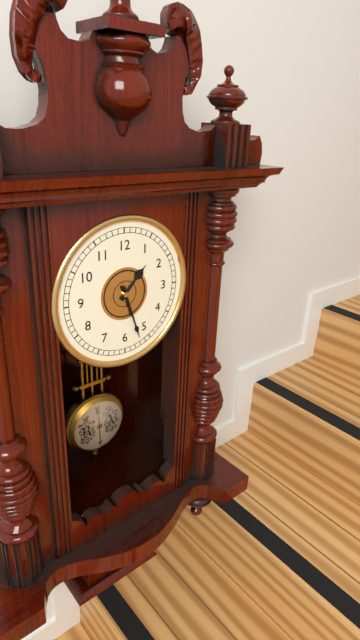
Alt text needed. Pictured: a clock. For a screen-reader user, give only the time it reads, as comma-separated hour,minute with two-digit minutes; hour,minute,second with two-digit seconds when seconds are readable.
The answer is 1,27
